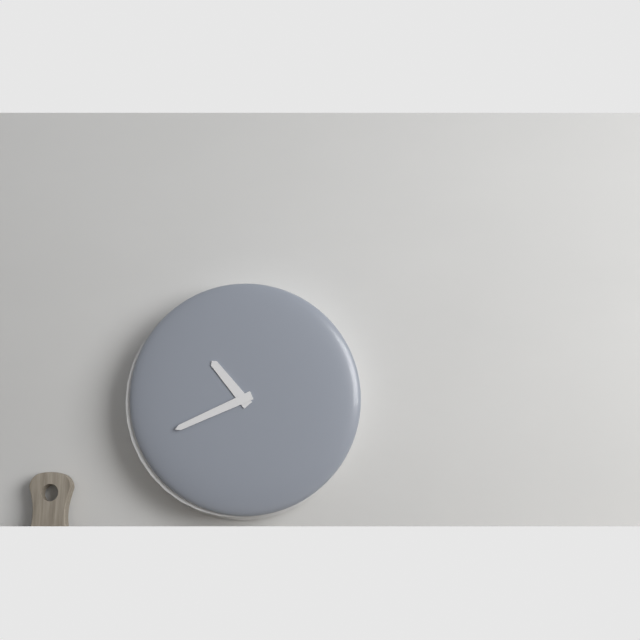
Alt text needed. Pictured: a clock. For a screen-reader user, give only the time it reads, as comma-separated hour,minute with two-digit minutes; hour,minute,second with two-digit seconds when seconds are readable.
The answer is 10,41
